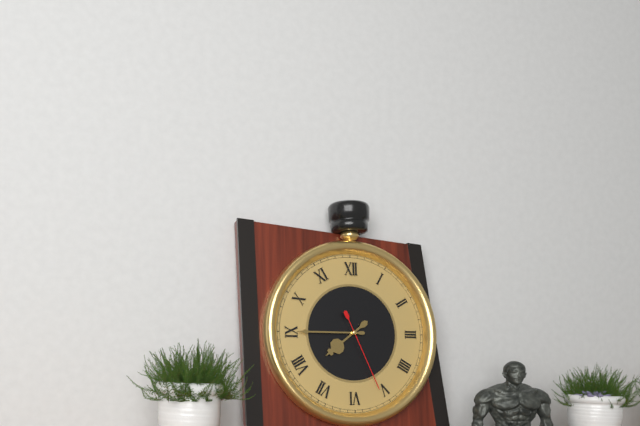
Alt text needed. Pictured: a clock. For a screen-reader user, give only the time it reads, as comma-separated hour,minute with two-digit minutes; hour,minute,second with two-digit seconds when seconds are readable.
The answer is 7,45,26
